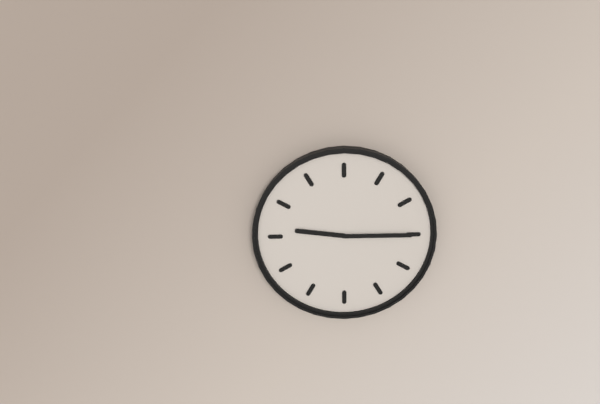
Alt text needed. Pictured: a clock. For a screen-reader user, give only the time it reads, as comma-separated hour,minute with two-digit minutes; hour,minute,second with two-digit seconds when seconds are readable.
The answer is 9,15
